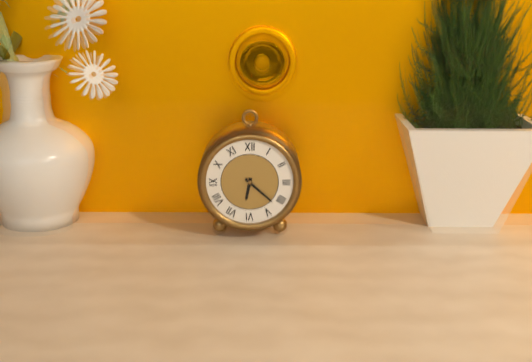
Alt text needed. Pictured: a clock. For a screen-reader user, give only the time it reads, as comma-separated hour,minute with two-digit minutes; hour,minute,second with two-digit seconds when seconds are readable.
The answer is 6,22
